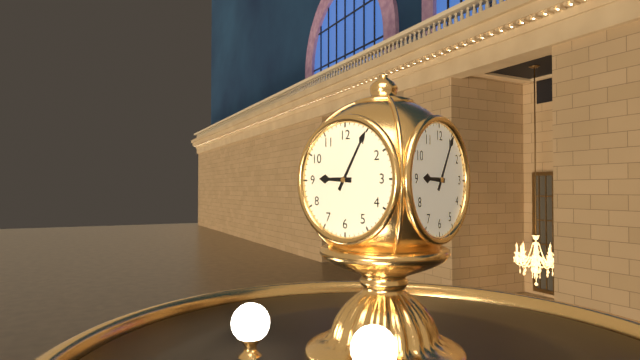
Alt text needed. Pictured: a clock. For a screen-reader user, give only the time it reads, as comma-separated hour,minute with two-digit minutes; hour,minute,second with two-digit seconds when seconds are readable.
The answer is 9,05
